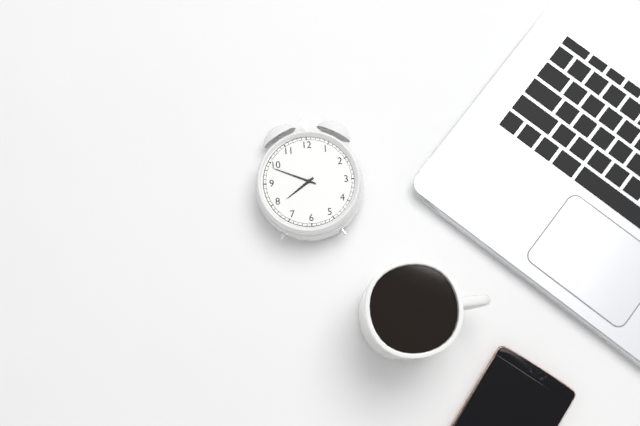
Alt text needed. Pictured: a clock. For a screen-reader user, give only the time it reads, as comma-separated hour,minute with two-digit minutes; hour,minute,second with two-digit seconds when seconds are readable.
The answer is 7,49
